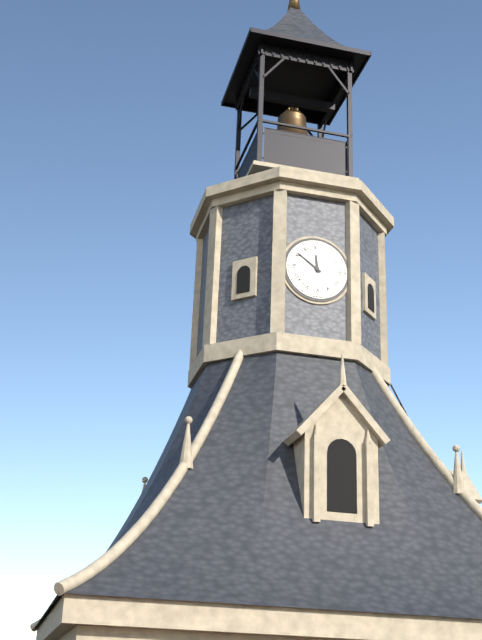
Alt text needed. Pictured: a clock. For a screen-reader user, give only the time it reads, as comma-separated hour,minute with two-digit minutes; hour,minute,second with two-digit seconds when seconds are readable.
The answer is 11,51
